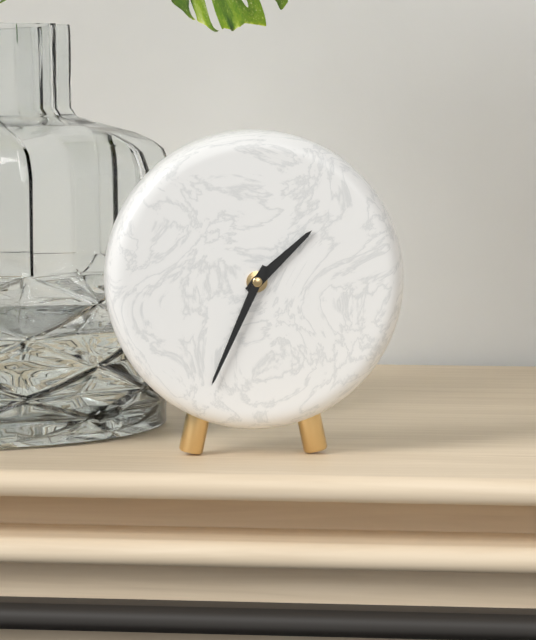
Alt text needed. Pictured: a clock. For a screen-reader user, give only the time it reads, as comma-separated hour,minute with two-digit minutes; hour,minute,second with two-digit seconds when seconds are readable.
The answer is 1,34
